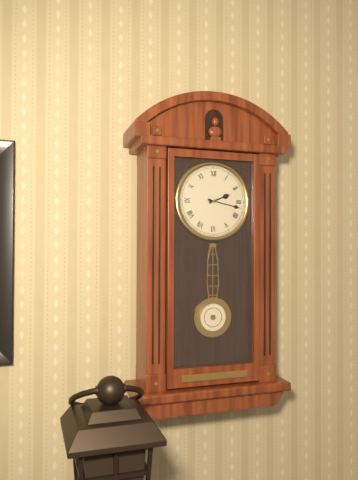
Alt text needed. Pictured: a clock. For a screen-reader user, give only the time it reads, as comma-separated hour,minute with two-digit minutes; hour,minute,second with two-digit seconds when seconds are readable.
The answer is 2,17
